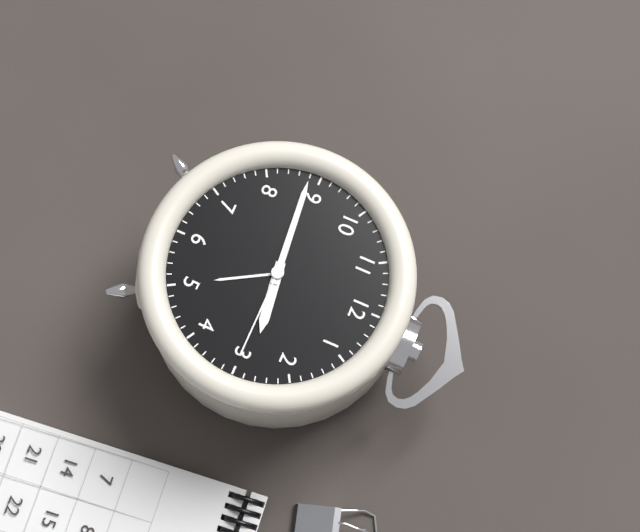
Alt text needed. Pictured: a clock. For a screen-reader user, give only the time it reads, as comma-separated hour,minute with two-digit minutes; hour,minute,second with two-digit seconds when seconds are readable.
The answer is 2,44,15
